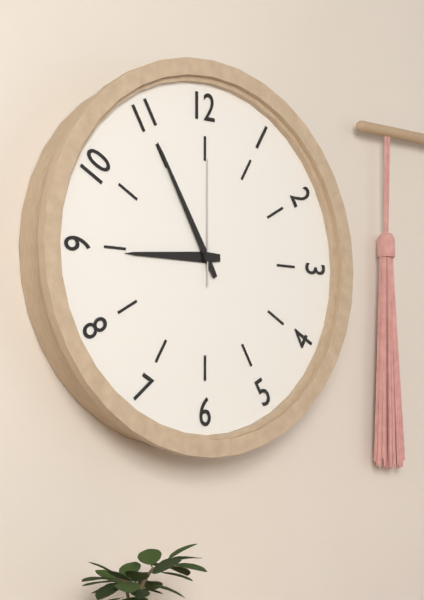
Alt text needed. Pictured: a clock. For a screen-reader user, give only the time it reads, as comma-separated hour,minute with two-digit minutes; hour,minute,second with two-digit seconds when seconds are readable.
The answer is 8,55,00
